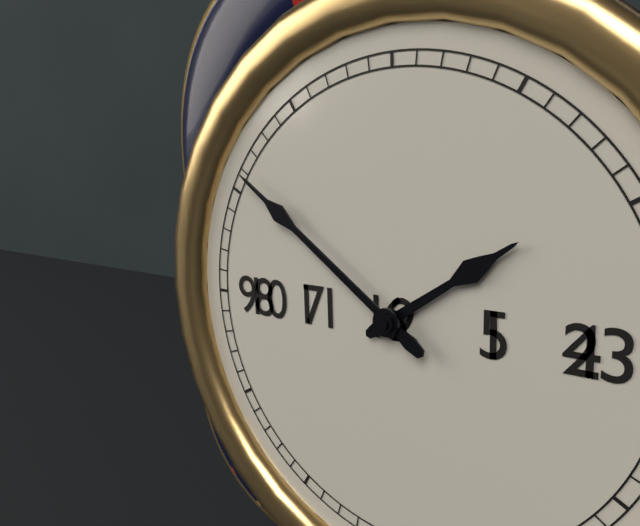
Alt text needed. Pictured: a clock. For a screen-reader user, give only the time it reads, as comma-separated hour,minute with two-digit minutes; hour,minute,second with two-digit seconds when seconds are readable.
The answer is 1,51
